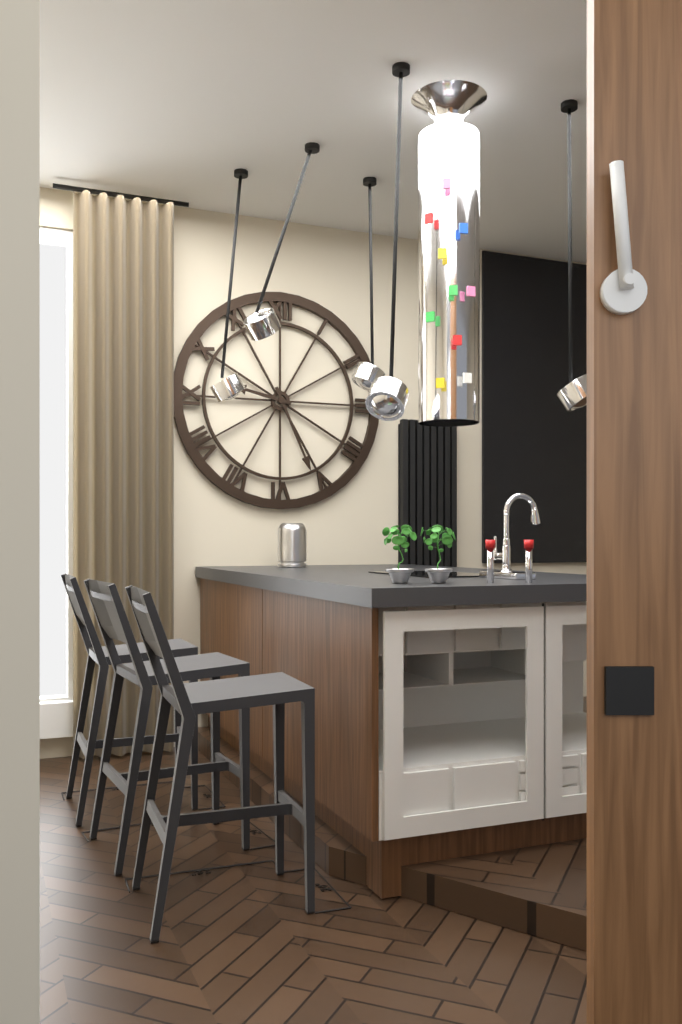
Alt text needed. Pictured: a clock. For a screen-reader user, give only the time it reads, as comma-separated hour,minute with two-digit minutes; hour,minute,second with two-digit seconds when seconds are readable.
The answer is 9,26
